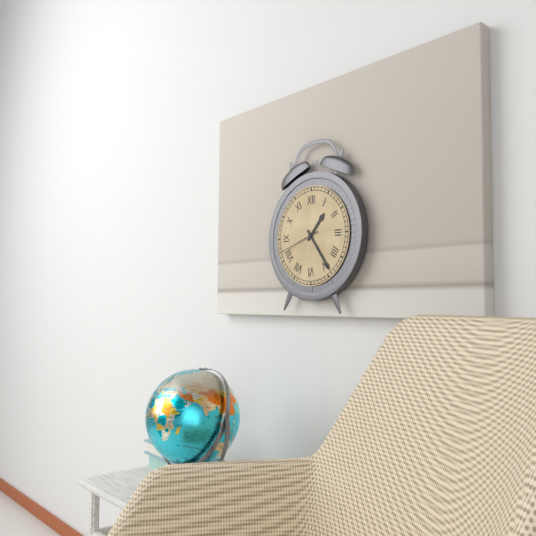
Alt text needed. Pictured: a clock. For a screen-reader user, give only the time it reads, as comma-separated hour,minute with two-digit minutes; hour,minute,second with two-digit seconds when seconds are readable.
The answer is 1,24
